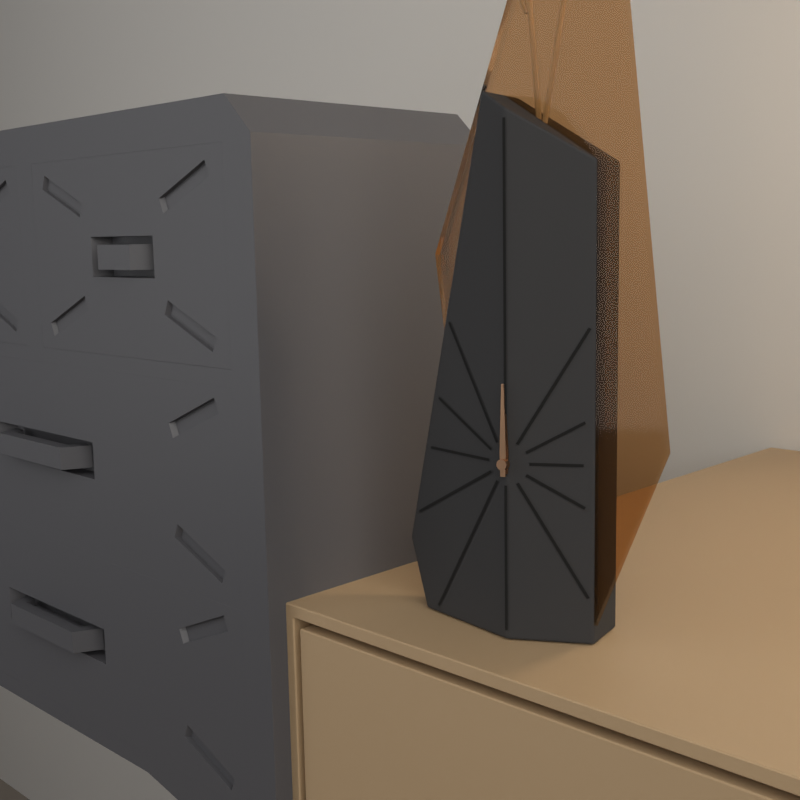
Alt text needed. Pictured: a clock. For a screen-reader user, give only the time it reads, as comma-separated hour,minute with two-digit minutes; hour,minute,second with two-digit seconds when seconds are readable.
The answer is 12,00
